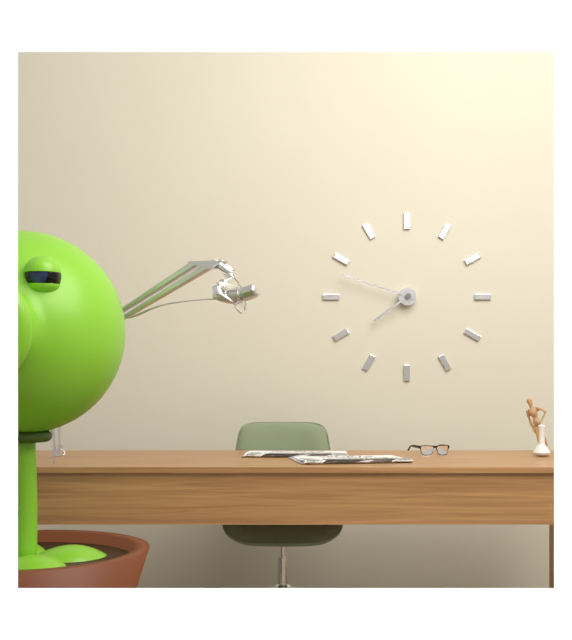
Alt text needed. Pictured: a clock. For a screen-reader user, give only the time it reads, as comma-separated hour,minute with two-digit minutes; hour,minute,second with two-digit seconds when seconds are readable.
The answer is 7,48
